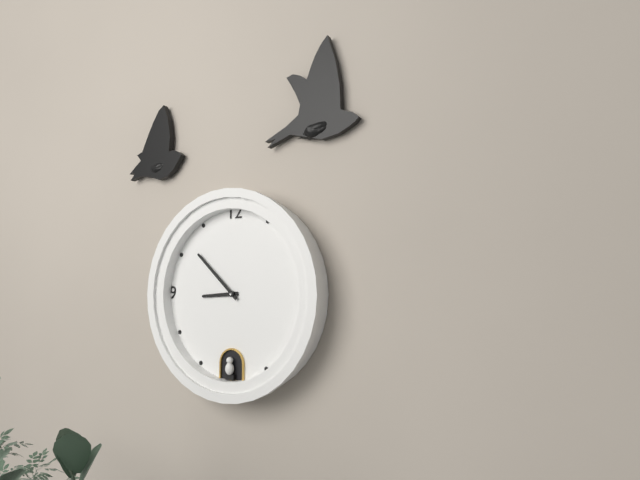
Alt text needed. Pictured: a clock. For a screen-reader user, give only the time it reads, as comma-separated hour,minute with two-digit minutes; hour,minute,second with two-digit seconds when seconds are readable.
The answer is 8,52
